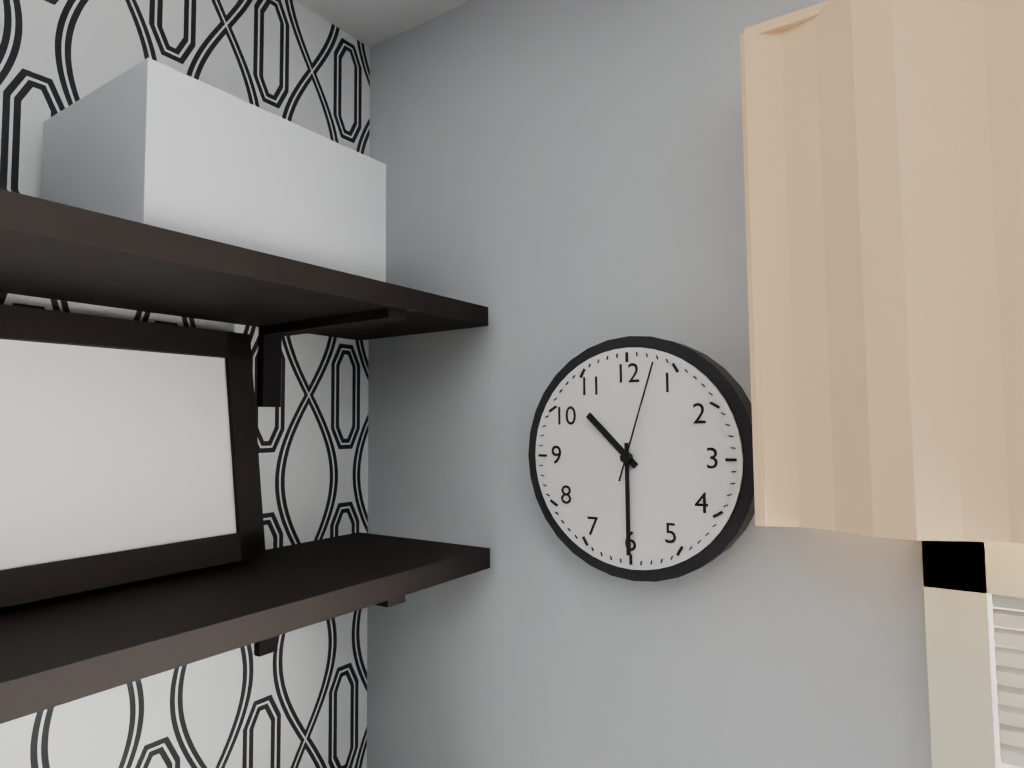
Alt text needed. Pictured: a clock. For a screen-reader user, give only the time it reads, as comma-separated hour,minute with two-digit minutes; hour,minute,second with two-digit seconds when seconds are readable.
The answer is 10,30,03
